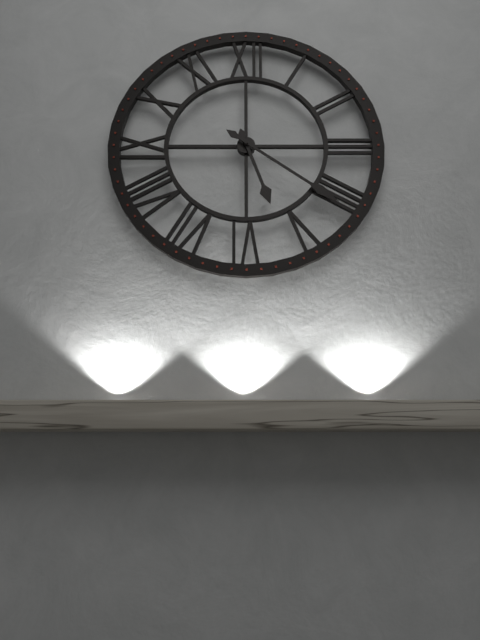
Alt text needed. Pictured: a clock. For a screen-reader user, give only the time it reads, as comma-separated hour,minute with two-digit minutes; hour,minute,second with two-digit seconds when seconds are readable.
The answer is 5,21
